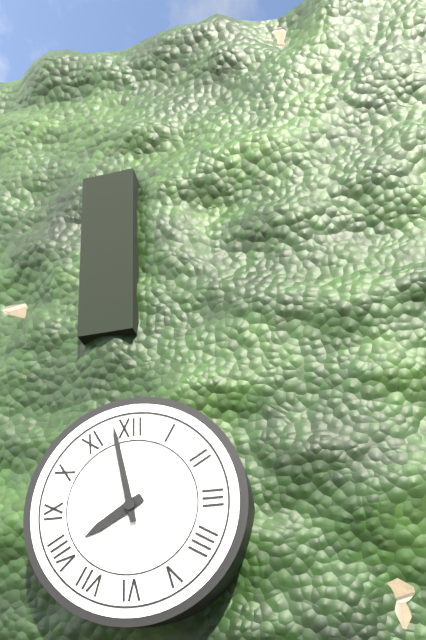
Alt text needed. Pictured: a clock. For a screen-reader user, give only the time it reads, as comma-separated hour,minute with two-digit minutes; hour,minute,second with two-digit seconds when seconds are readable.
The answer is 7,58
